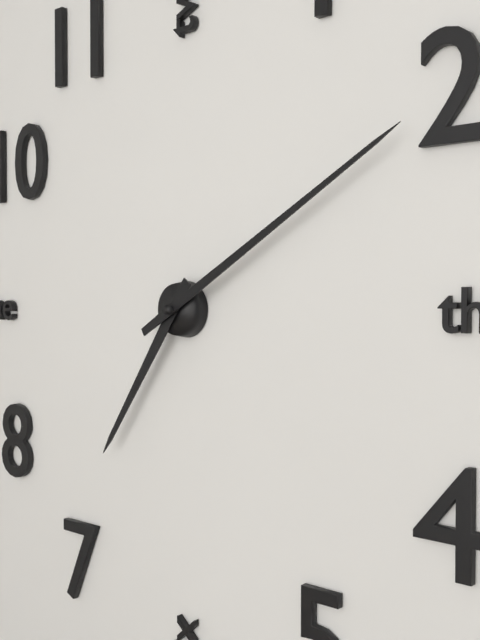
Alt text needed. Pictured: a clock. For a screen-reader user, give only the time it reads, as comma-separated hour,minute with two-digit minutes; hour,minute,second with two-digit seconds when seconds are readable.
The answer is 7,10
